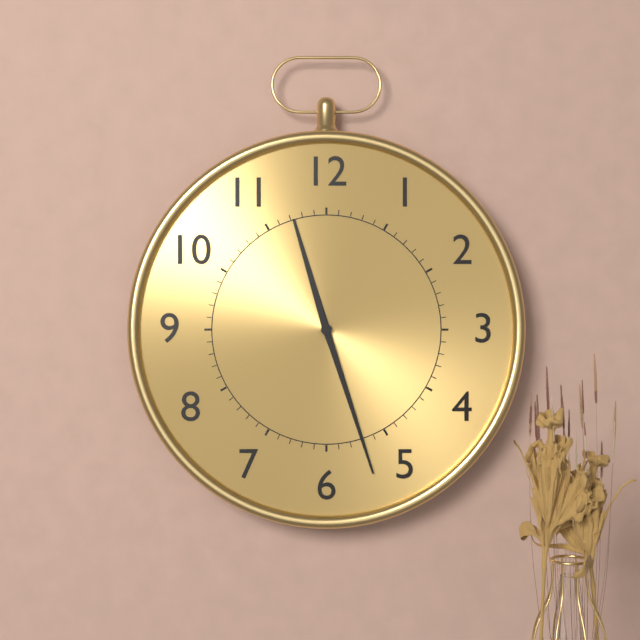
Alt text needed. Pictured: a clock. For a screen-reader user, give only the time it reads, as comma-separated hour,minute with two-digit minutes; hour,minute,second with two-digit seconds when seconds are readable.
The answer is 11,27
